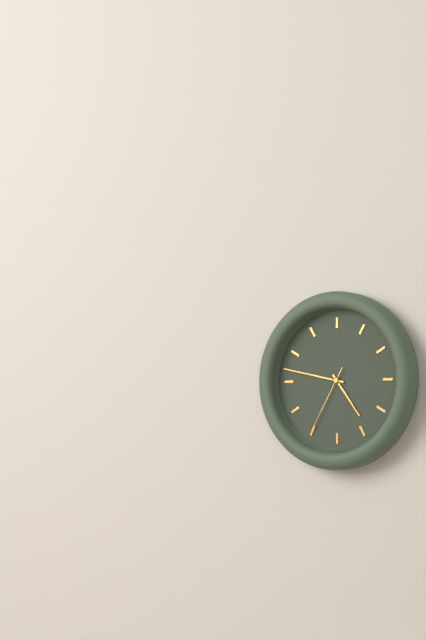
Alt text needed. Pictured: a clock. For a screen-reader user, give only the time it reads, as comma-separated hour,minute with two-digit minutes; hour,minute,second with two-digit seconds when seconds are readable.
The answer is 4,47,35
